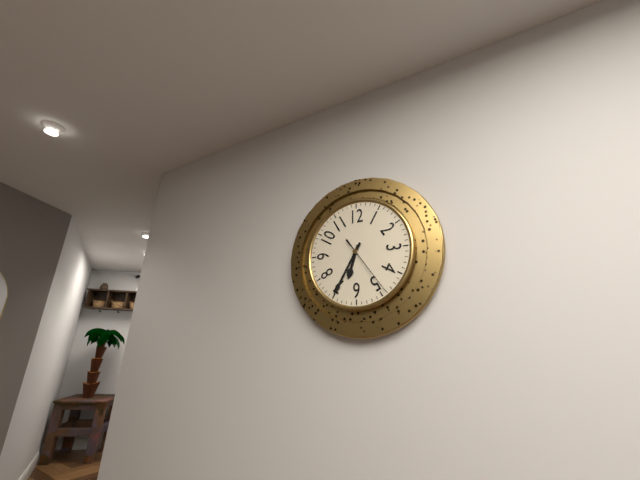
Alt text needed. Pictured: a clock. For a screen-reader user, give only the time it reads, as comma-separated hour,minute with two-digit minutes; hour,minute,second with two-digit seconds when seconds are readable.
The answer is 6,35,24
